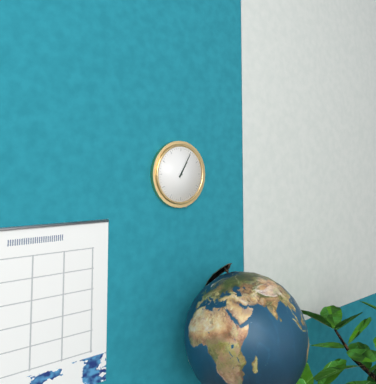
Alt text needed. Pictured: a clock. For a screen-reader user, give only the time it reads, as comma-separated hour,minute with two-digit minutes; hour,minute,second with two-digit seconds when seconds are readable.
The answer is 1,05
